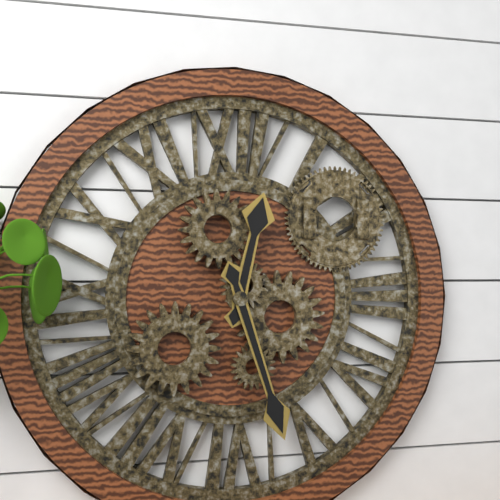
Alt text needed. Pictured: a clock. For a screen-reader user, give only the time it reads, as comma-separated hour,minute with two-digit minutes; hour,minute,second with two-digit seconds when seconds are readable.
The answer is 12,27
